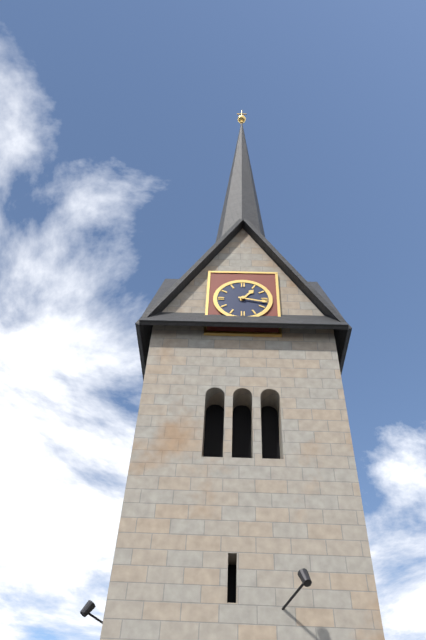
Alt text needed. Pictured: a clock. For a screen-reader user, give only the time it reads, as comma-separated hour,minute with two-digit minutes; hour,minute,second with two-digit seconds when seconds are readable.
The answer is 1,17
